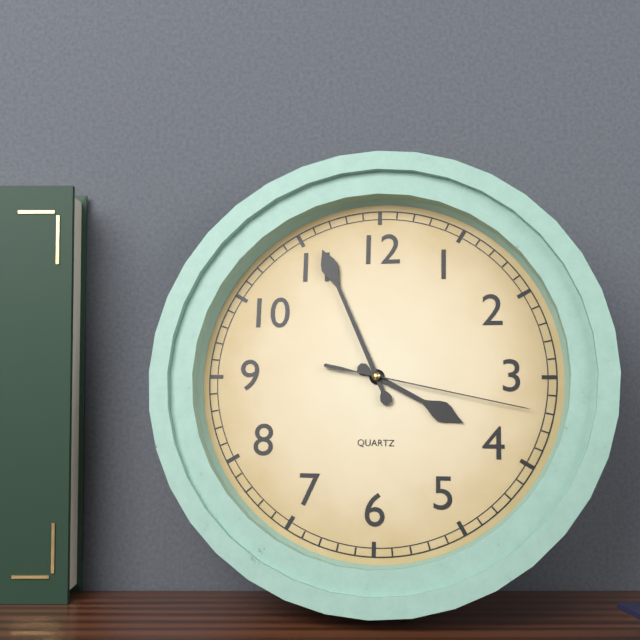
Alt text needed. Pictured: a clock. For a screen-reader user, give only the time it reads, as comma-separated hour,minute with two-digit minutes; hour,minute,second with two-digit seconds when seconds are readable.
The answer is 3,56,17
